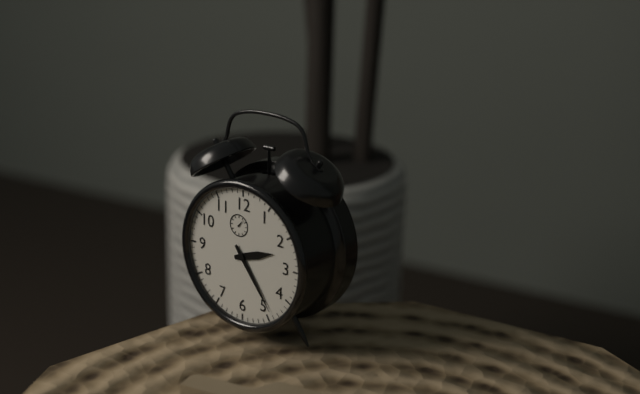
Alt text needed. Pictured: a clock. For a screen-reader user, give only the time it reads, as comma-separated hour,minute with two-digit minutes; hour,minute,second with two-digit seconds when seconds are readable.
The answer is 2,24
